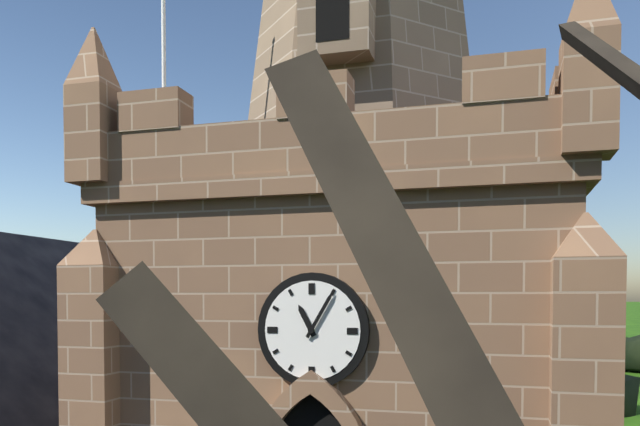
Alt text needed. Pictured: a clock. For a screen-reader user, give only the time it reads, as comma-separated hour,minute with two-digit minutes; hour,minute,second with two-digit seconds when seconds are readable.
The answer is 11,05
